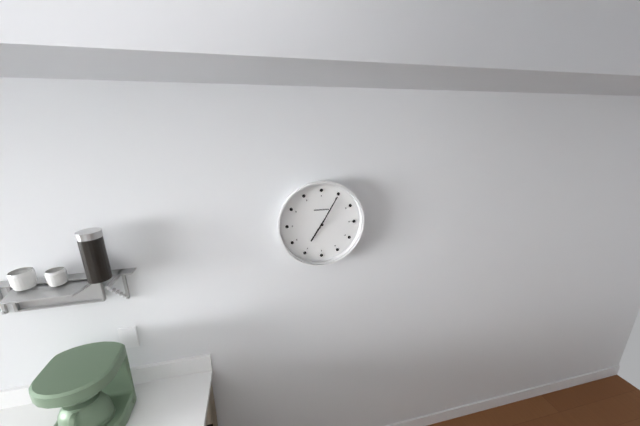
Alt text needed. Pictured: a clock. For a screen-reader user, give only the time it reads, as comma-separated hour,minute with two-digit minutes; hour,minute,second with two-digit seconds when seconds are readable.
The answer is 7,05
